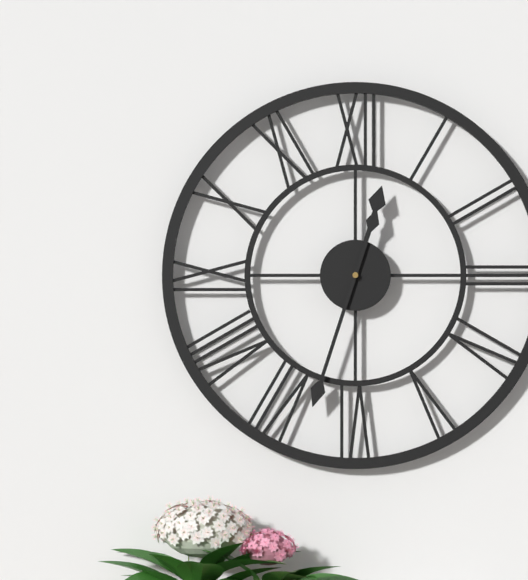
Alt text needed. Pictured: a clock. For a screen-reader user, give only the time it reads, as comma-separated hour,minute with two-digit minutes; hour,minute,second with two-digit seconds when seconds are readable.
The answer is 12,33
